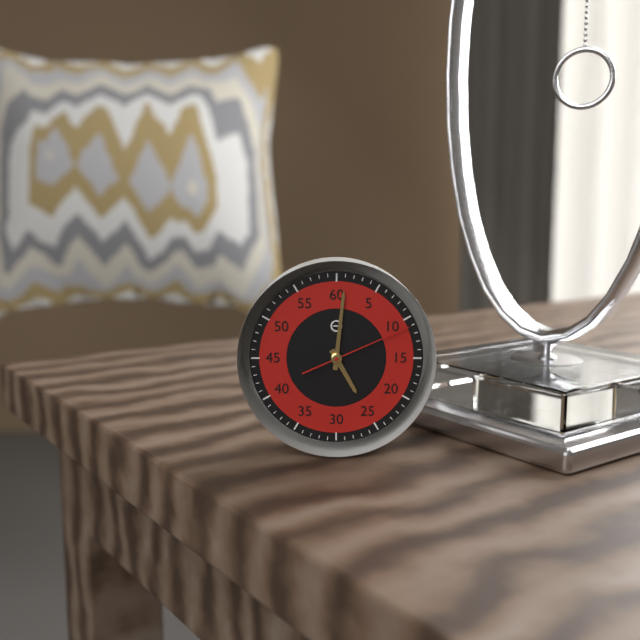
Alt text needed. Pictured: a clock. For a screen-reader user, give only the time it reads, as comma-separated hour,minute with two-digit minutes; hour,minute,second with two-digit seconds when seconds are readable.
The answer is 5,01,11
